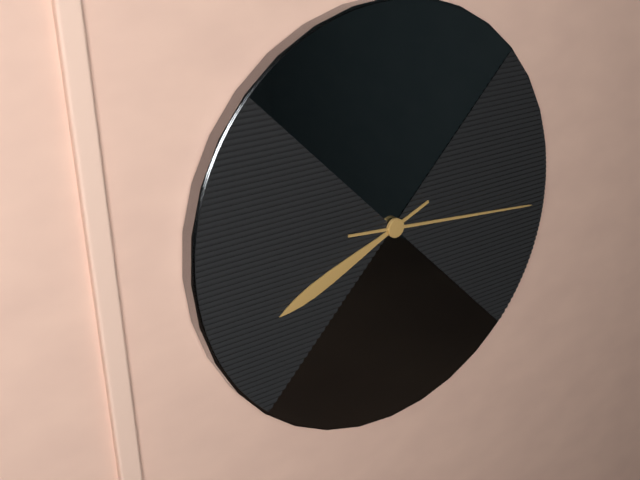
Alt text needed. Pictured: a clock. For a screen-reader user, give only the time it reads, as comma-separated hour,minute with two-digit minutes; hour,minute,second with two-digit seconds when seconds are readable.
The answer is 8,16
